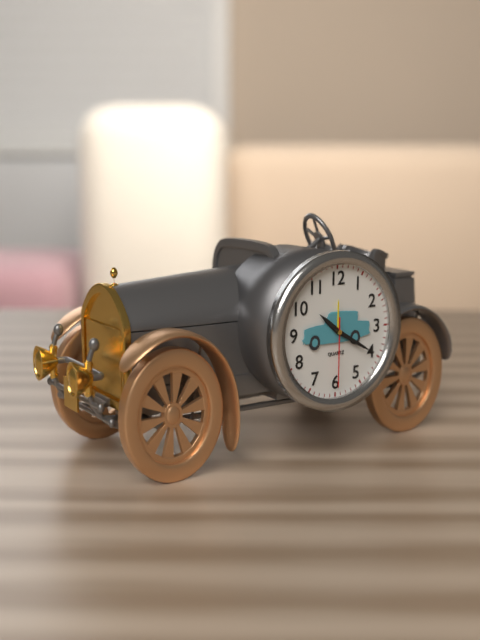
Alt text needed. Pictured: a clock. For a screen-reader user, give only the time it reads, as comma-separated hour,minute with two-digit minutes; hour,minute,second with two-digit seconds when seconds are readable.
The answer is 10,20,30
